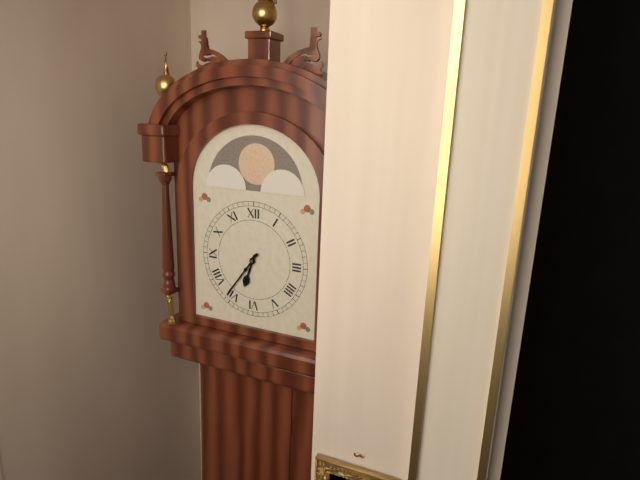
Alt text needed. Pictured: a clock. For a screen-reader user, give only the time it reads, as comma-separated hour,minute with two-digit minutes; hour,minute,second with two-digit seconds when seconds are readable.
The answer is 6,36
